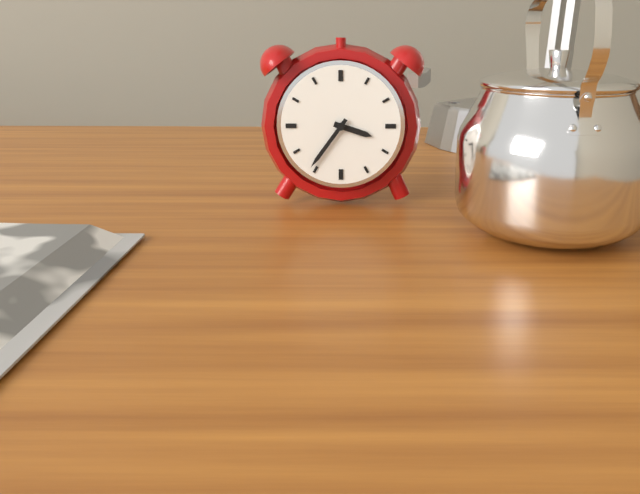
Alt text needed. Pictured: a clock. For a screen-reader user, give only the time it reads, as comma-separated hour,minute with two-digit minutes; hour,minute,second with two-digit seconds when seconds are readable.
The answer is 3,36
